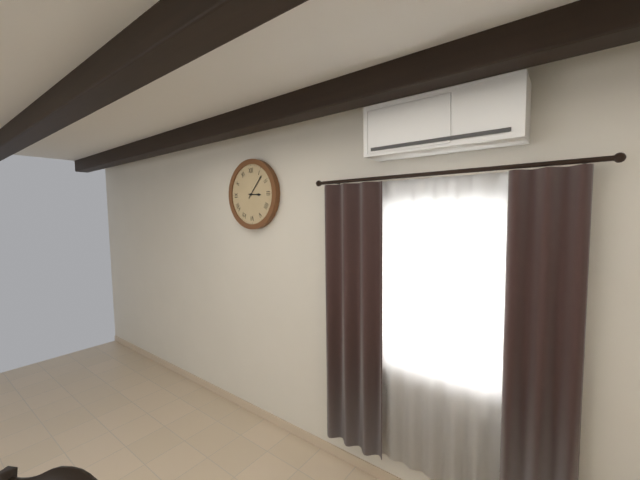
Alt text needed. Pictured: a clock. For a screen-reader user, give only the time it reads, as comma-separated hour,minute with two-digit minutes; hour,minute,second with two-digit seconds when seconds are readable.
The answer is 3,07
